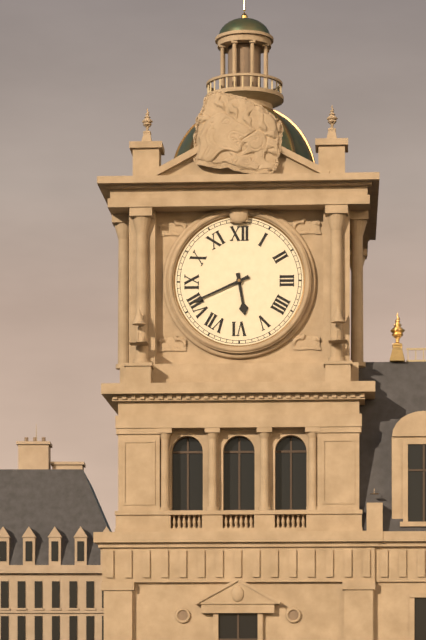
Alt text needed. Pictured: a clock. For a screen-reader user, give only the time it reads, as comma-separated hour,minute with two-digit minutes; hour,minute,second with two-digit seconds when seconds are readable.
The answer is 5,41
